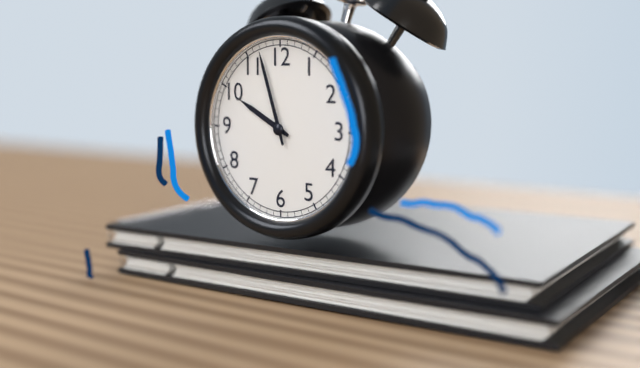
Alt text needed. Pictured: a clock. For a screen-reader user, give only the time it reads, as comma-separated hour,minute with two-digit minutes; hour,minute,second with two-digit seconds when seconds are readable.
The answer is 9,57
